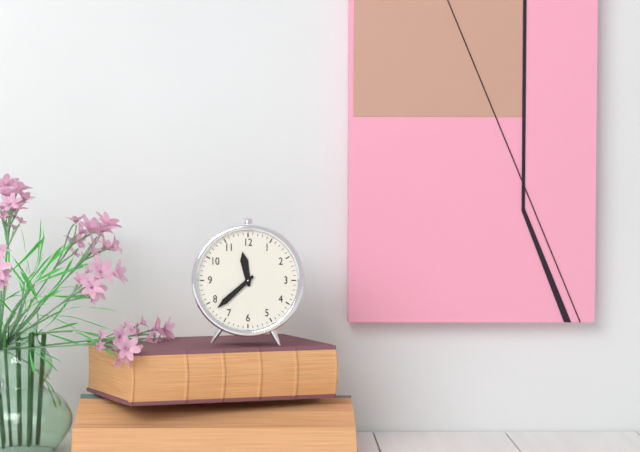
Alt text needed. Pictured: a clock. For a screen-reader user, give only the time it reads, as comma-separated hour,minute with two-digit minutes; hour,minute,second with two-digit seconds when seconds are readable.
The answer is 11,38
